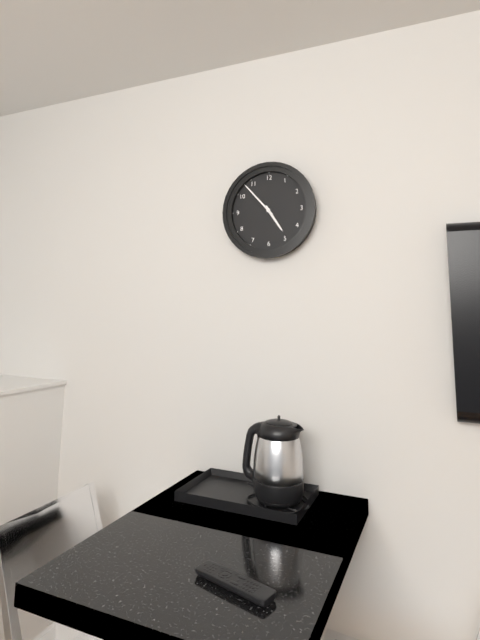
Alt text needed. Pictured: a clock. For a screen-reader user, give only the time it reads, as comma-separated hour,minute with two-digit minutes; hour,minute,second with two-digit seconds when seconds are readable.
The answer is 4,53
